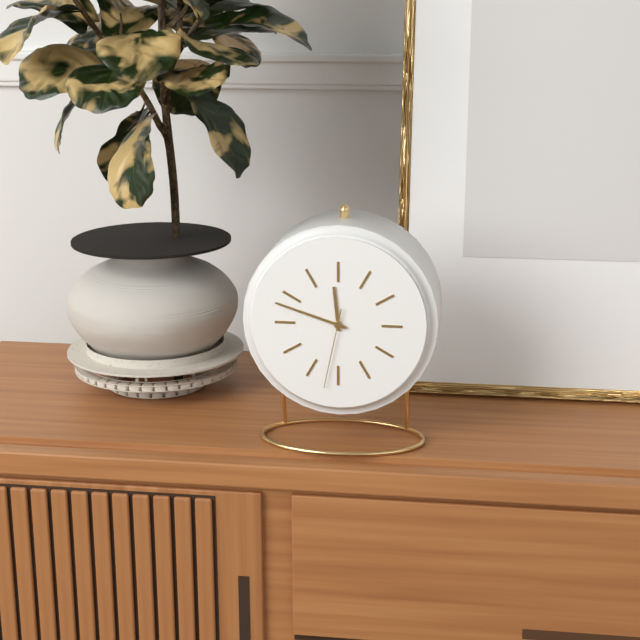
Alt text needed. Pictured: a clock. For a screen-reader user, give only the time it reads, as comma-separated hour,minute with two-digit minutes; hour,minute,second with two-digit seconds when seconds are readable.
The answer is 11,48,32
